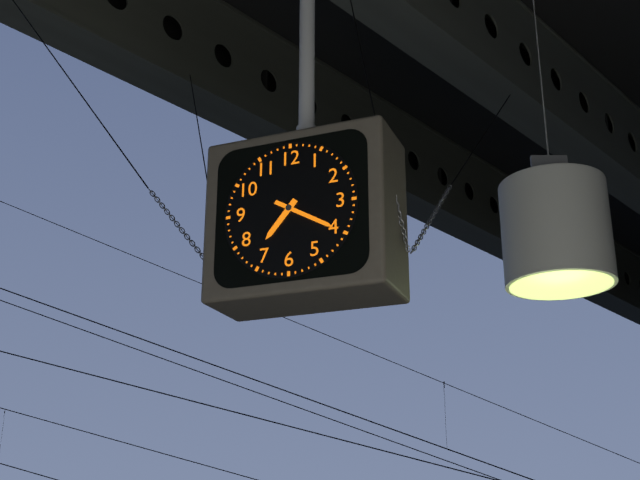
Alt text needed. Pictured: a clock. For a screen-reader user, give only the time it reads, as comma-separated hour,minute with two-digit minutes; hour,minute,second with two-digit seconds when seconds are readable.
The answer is 7,20
